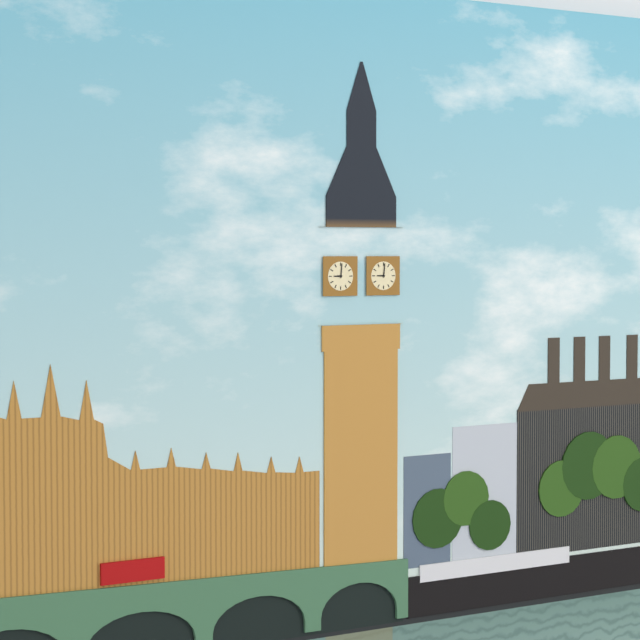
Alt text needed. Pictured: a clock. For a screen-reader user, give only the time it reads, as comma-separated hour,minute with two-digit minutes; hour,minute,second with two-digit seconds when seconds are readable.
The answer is 9,01
